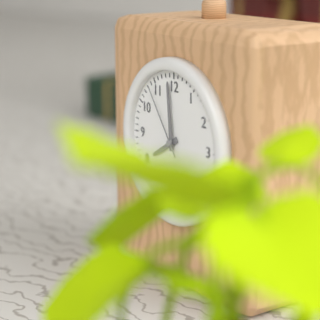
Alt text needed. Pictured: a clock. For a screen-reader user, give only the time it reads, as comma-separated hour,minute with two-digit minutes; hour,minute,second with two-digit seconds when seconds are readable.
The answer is 7,59,54
